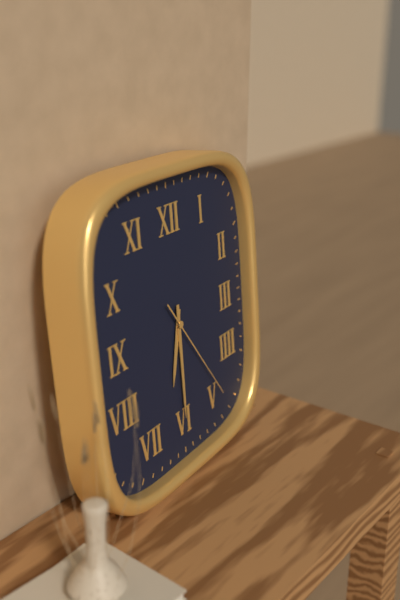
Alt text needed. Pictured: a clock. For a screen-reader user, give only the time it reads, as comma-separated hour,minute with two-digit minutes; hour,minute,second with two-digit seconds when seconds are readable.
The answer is 6,30,24
